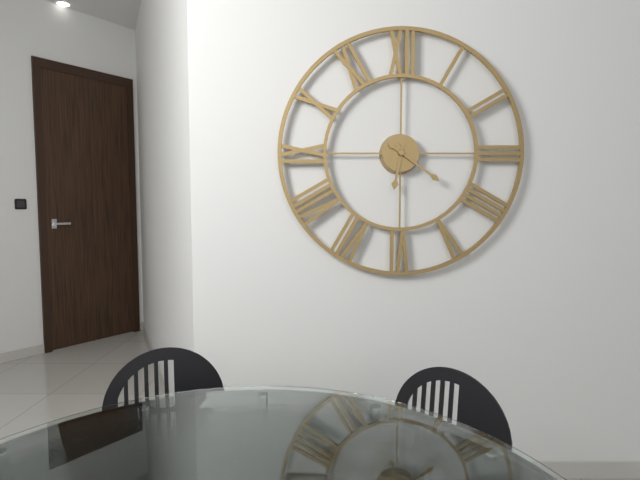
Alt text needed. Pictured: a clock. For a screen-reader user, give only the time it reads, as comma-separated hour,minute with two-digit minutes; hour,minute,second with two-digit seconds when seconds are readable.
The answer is 6,21
